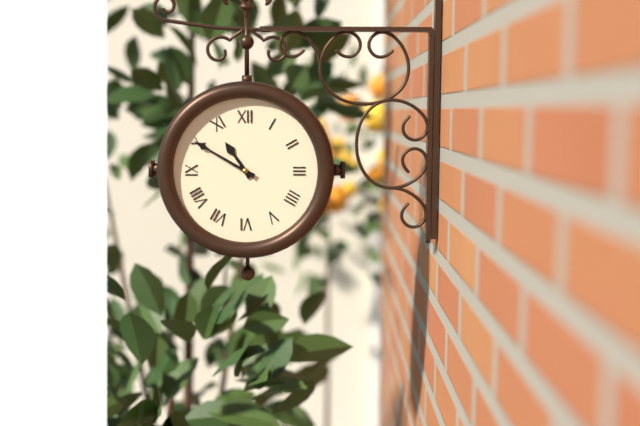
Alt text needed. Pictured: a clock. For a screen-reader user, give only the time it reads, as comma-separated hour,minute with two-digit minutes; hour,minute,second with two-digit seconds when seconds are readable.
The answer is 10,50
